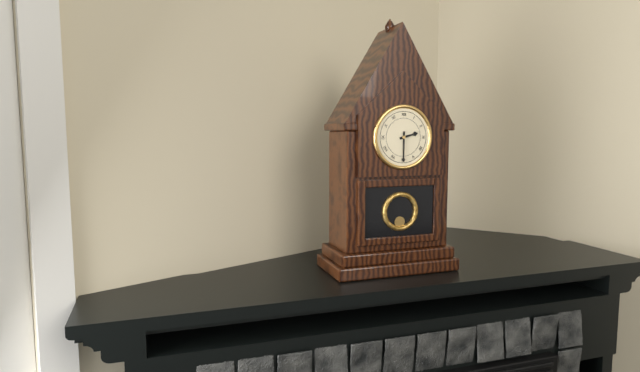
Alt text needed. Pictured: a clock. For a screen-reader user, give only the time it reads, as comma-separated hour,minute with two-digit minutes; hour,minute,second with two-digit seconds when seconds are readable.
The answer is 2,30
